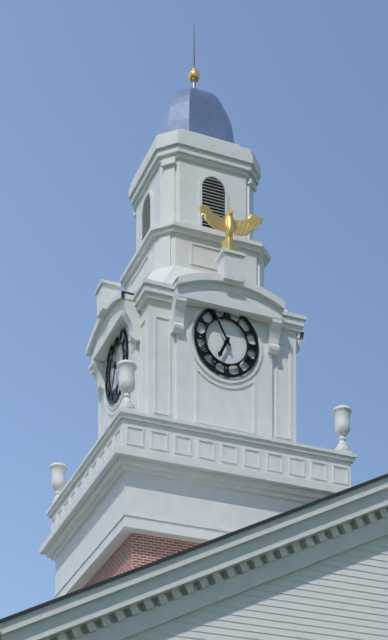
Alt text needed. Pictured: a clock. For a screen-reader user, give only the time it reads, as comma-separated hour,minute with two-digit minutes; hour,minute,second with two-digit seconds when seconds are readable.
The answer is 6,55
